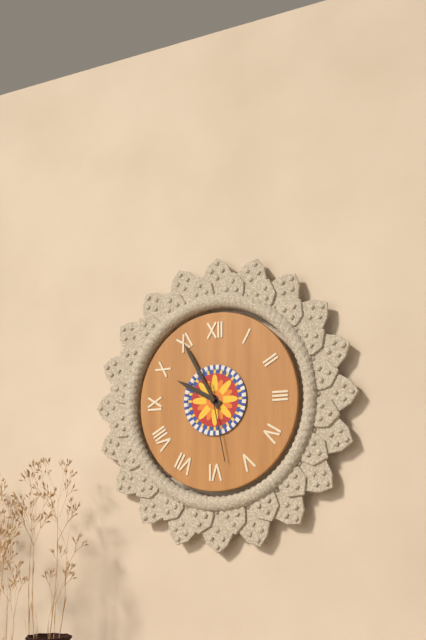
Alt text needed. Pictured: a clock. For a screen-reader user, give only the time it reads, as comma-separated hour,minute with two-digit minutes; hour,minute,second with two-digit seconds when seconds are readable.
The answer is 9,55,28
